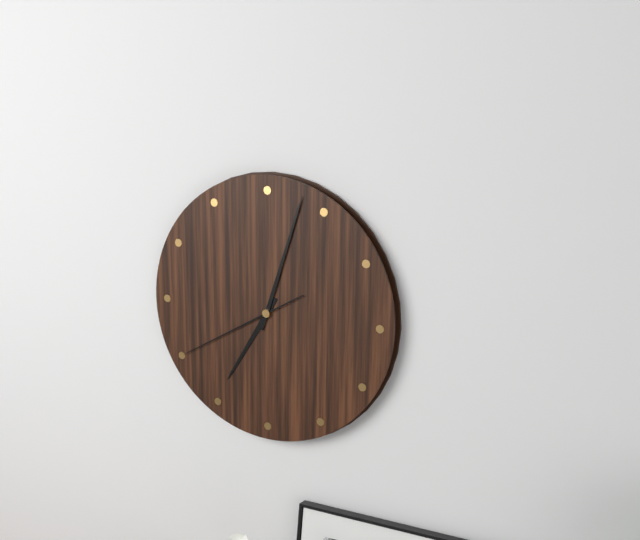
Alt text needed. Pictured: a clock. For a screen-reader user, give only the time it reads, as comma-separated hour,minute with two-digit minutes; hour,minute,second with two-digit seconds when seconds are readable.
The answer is 7,03,40
